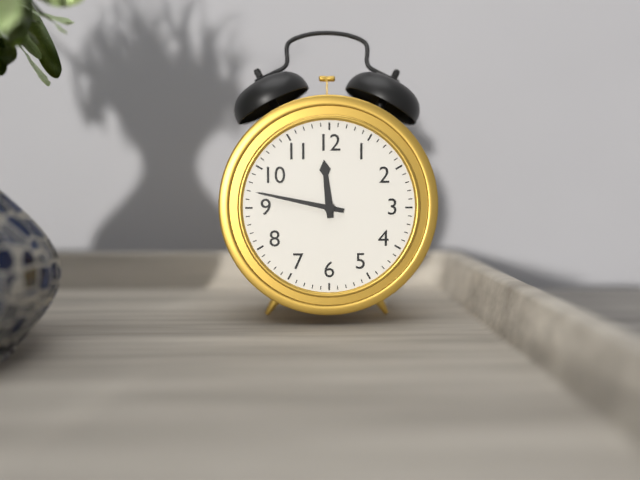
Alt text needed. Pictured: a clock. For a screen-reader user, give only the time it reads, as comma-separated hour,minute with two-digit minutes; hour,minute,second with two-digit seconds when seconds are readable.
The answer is 11,47
